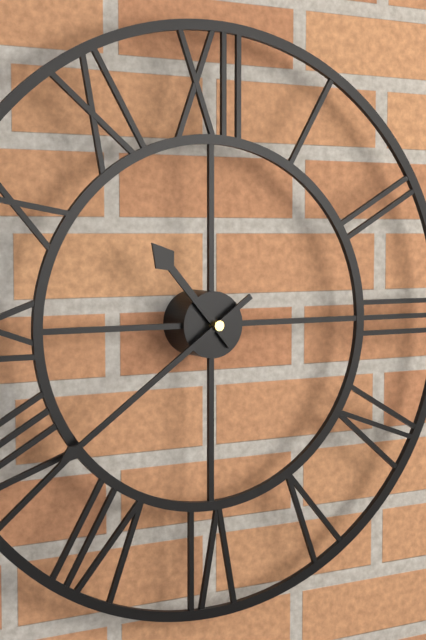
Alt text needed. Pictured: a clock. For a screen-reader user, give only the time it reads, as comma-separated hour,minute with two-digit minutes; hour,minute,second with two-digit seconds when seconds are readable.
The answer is 10,39
